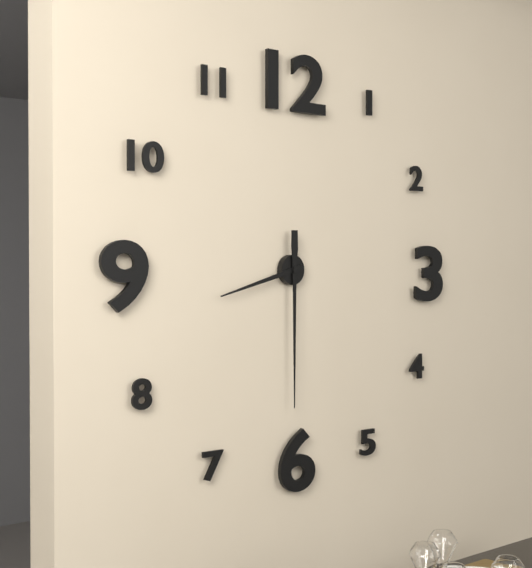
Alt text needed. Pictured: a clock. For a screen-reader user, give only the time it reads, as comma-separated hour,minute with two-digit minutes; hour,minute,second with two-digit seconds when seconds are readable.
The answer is 8,30
